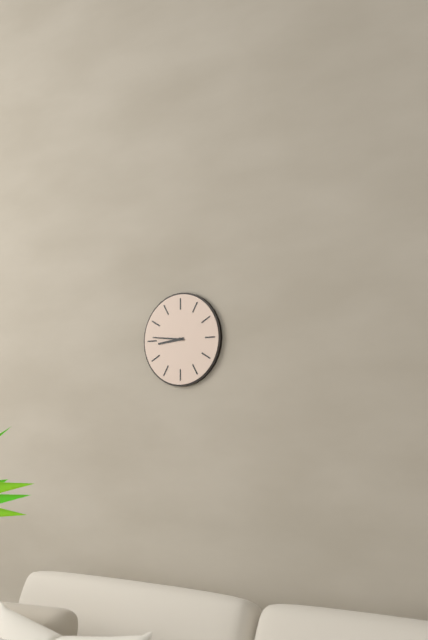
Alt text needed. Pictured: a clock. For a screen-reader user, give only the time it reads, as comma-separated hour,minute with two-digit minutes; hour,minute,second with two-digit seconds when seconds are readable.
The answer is 8,46
